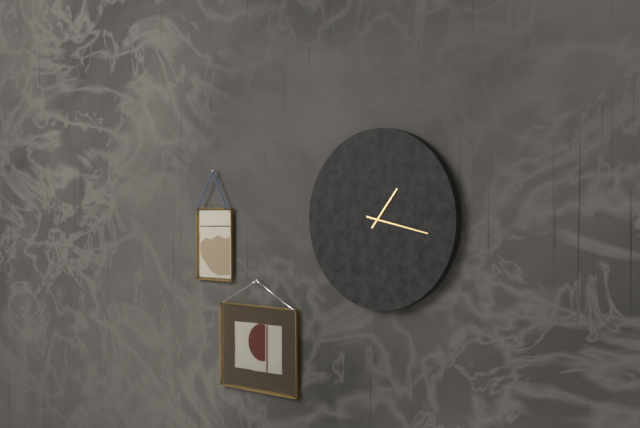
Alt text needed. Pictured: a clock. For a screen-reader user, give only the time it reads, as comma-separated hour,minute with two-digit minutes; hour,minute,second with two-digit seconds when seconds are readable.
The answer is 1,17
